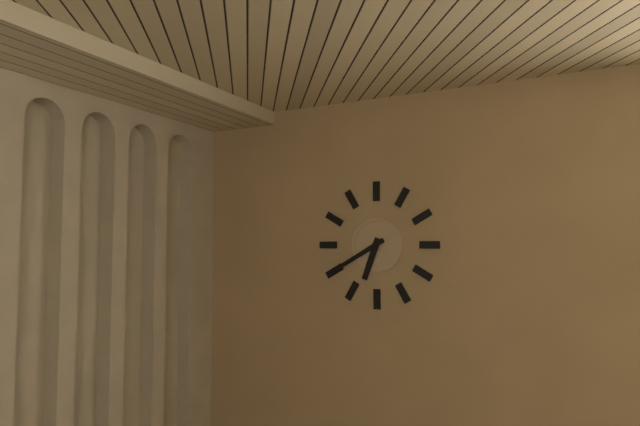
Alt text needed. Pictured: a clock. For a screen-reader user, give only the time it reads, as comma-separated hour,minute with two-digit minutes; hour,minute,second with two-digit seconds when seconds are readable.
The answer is 6,40
